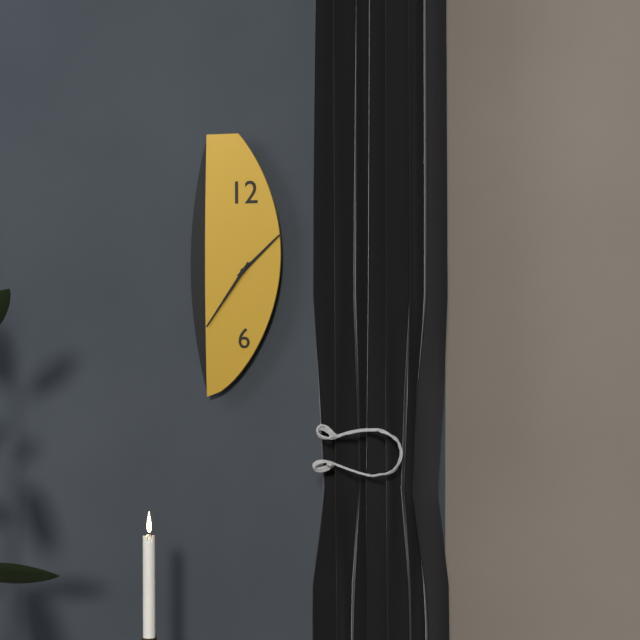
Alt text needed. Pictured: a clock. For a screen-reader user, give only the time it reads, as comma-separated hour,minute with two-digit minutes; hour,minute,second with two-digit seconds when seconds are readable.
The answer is 1,36
